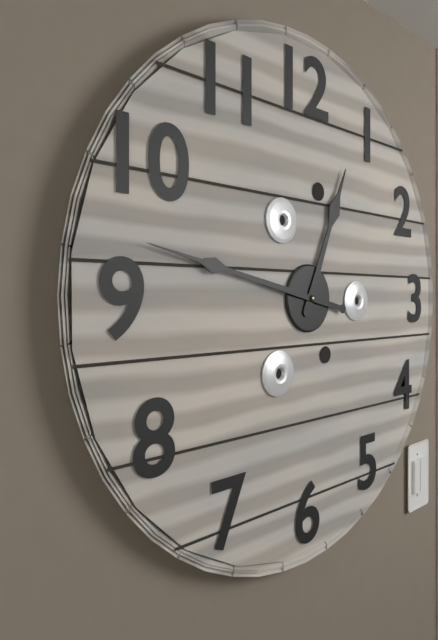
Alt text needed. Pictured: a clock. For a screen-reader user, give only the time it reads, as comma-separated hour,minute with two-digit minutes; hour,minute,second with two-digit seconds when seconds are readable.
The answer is 12,47
